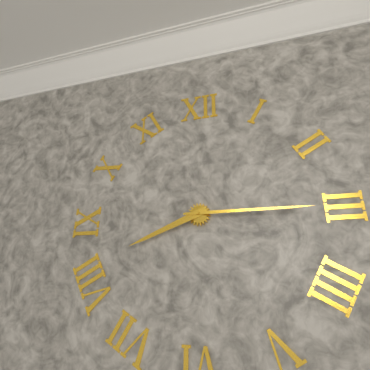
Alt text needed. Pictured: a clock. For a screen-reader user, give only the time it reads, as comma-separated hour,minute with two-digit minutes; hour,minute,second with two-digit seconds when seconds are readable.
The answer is 8,15
